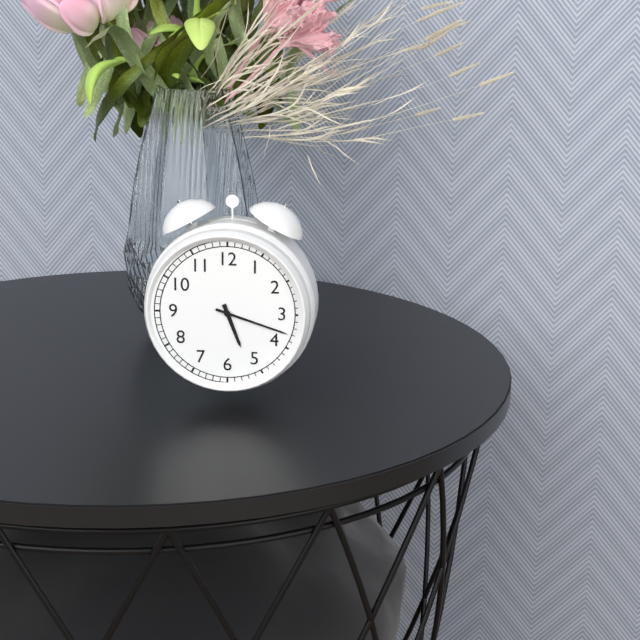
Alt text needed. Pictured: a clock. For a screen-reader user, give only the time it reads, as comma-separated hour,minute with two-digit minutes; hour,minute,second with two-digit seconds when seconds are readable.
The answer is 5,18
